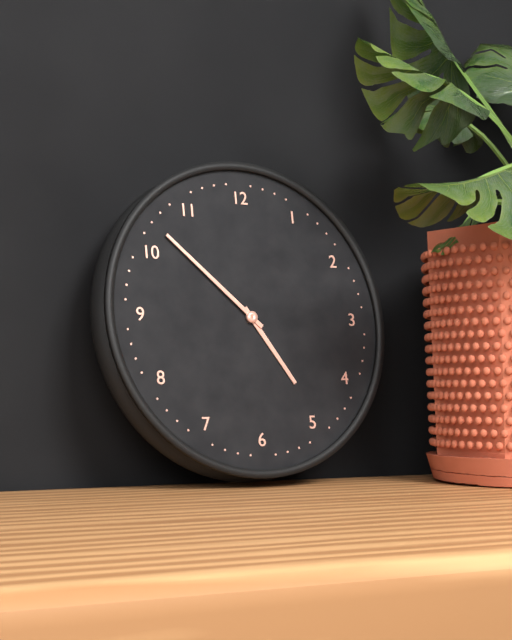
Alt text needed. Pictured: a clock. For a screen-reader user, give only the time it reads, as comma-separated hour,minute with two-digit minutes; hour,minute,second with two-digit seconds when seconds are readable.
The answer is 4,52
